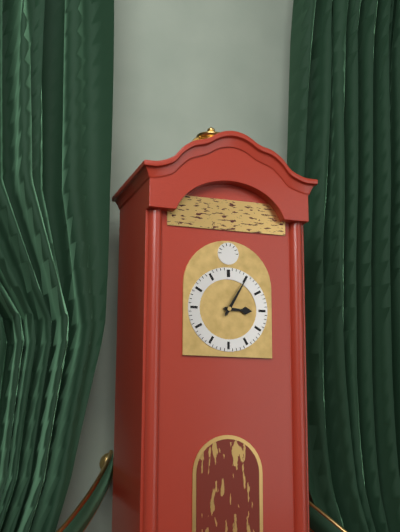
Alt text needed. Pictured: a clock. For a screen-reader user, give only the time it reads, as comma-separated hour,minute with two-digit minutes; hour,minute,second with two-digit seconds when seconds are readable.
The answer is 3,05
